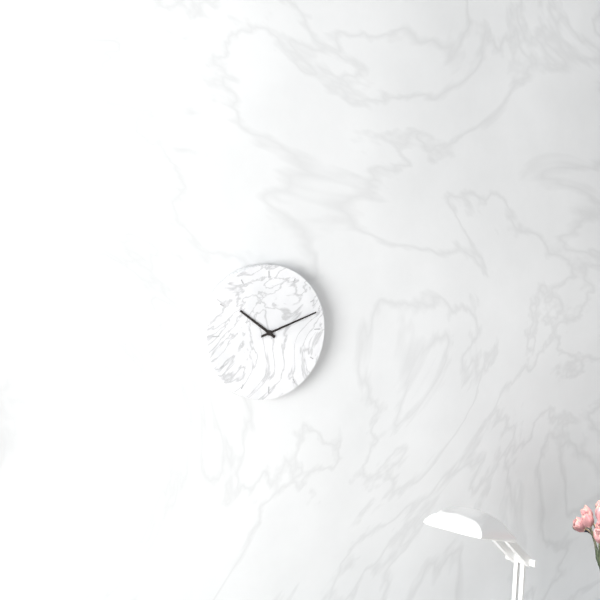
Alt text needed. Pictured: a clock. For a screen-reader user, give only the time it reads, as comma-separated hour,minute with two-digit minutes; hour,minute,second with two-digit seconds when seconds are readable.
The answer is 10,12
